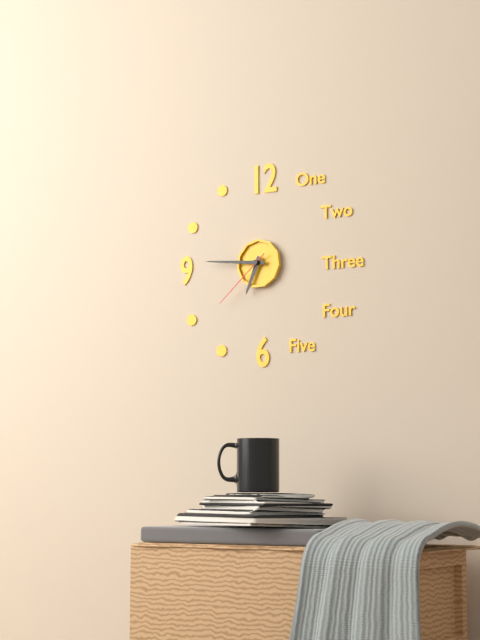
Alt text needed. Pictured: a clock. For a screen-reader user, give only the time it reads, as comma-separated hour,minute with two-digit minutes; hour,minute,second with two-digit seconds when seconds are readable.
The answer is 6,46,38
